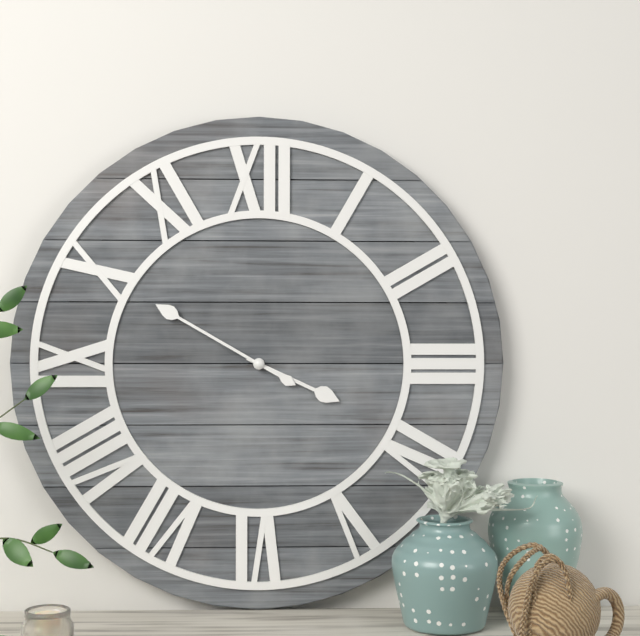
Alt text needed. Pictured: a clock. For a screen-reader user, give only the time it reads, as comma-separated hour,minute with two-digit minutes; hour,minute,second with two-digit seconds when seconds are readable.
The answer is 3,50
